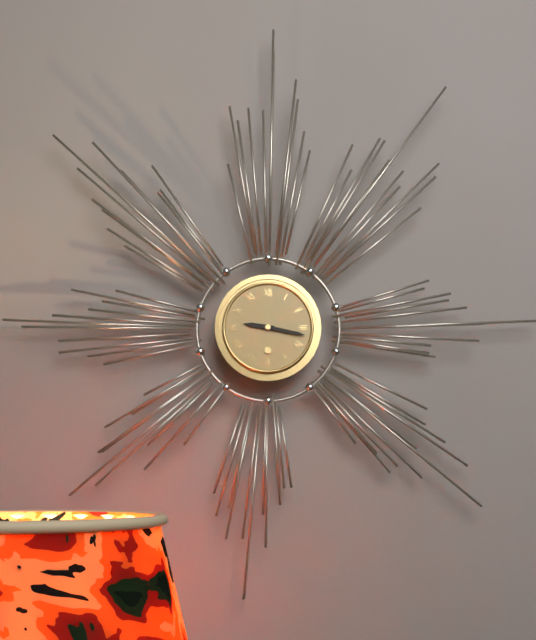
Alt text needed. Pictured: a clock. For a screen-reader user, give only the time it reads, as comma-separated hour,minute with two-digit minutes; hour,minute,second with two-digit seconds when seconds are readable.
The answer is 9,17
